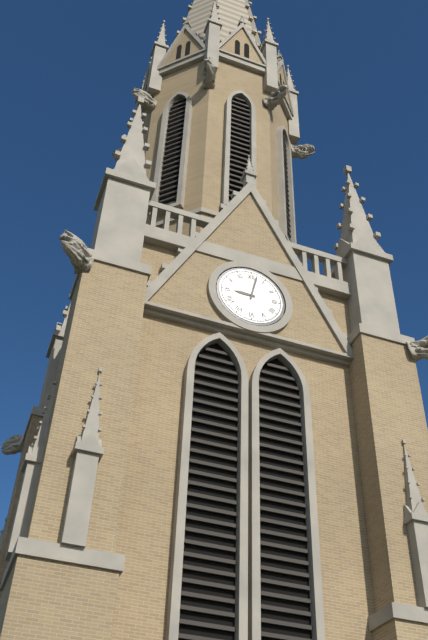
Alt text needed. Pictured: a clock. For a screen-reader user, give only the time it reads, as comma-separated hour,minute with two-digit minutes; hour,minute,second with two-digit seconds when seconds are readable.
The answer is 9,02
